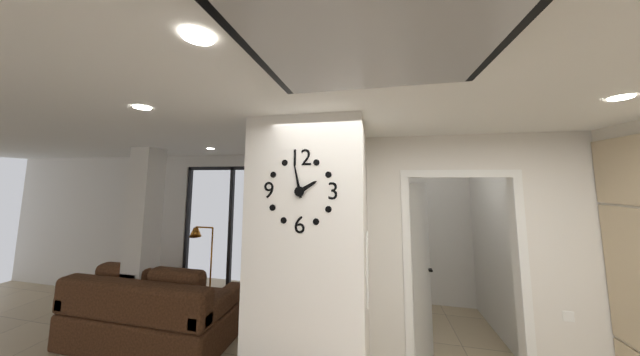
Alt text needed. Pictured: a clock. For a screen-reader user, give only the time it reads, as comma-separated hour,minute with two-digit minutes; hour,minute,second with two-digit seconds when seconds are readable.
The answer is 1,58
